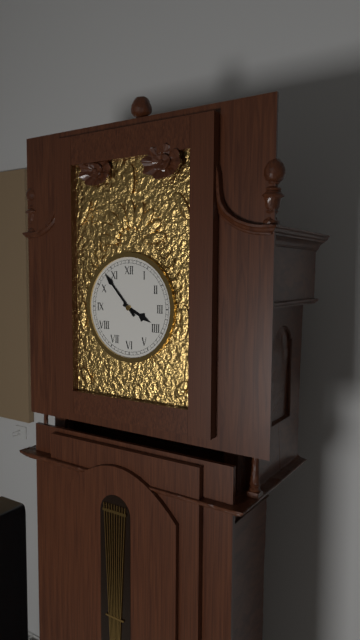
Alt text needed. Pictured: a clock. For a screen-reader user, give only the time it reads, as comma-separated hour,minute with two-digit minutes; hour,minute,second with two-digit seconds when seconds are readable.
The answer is 3,53
